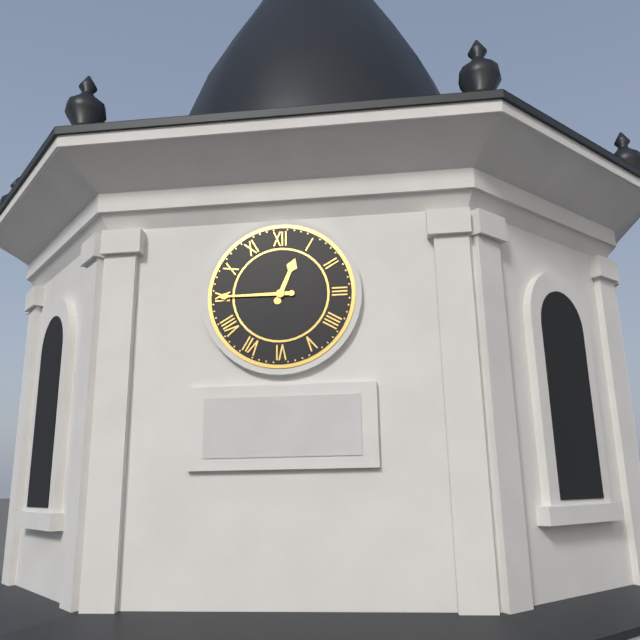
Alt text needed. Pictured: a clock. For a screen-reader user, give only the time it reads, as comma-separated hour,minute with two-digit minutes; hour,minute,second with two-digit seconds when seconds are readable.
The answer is 12,45
